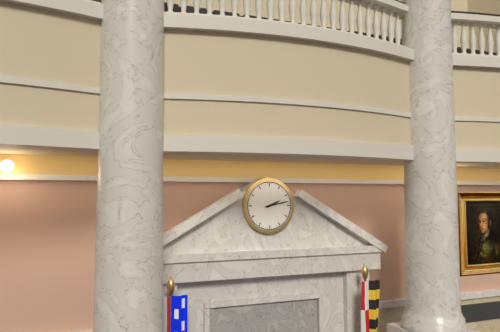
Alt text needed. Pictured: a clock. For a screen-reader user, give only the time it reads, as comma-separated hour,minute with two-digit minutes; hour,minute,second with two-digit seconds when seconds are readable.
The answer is 2,13
